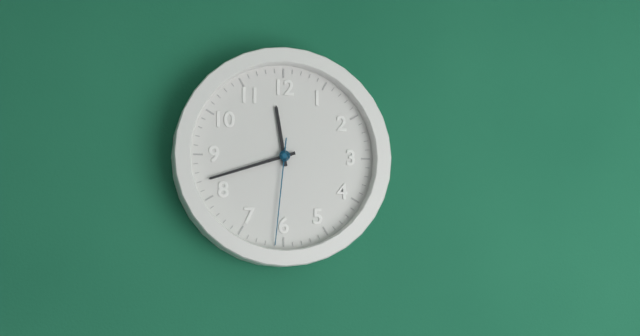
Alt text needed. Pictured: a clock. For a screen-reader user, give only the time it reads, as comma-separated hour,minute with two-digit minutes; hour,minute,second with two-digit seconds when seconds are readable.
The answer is 11,42,31
